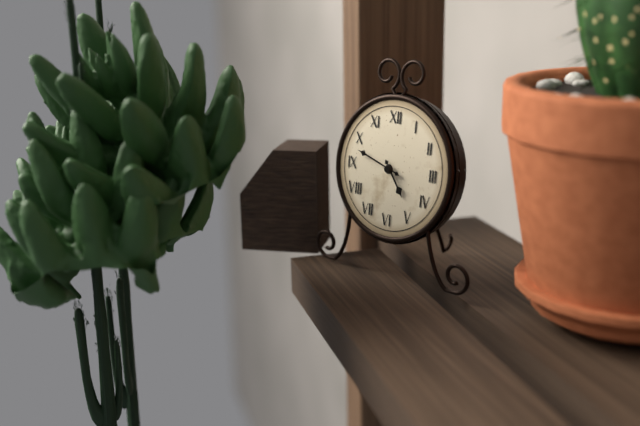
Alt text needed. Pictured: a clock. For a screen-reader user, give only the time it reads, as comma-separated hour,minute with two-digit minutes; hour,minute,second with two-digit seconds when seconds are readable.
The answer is 4,48
